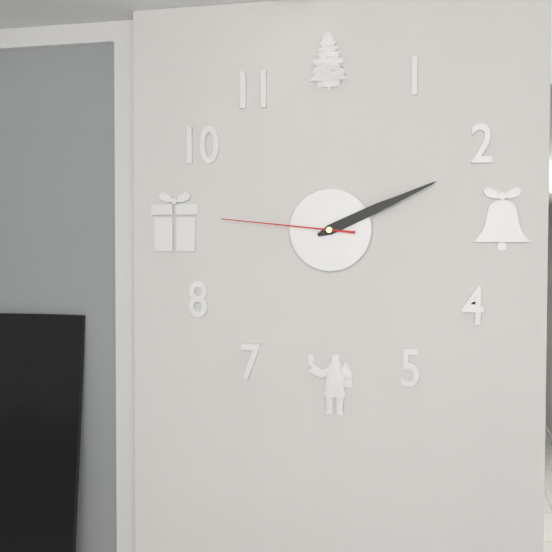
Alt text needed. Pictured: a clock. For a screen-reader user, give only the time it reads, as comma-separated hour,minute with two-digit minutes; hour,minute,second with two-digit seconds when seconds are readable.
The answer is 2,11,46
